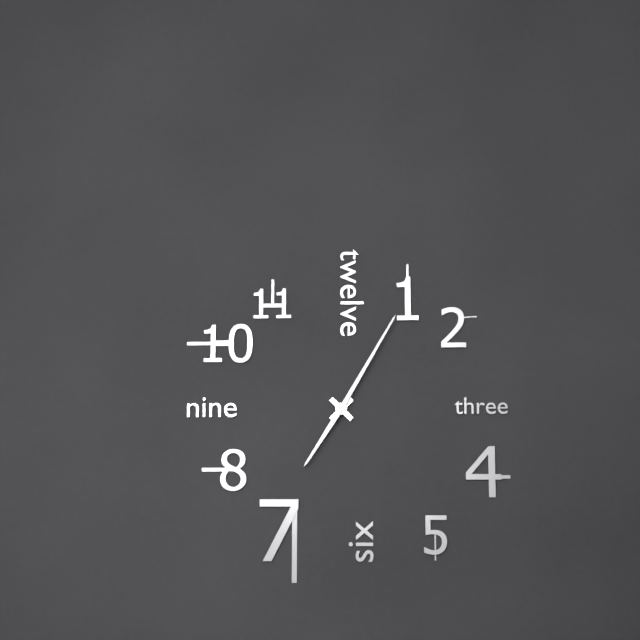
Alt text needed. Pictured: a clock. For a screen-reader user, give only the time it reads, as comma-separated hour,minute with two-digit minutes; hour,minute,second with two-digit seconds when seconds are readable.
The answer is 7,05
